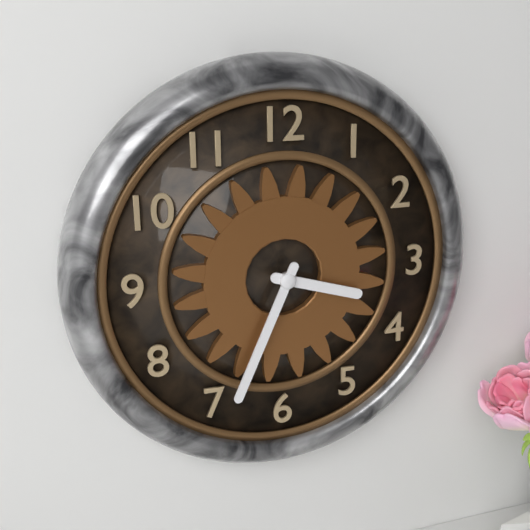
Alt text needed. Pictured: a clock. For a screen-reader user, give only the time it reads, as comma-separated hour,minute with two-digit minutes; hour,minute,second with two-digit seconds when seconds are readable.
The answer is 3,34
